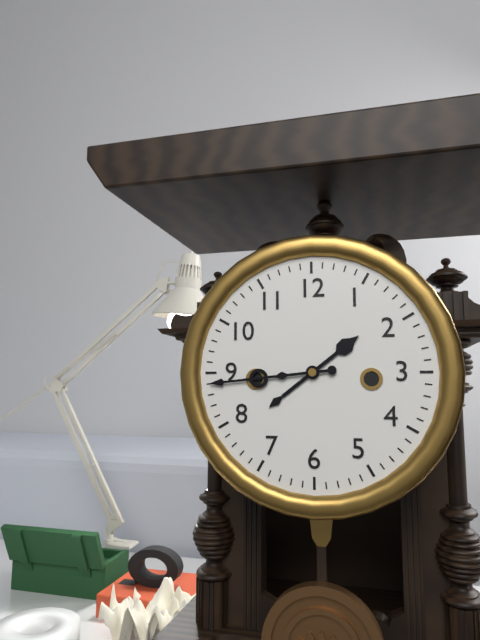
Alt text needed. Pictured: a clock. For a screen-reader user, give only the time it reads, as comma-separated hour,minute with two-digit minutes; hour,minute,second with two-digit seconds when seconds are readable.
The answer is 1,44
